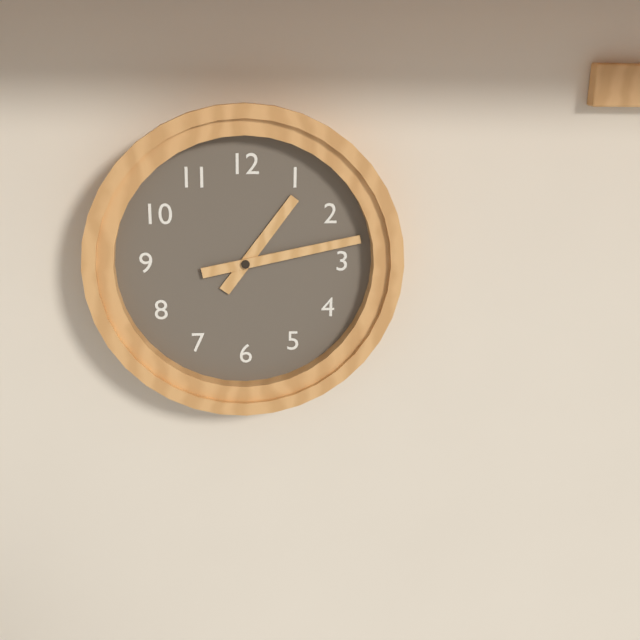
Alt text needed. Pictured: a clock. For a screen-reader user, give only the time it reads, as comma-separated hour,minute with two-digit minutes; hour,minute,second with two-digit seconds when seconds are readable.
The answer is 1,13
